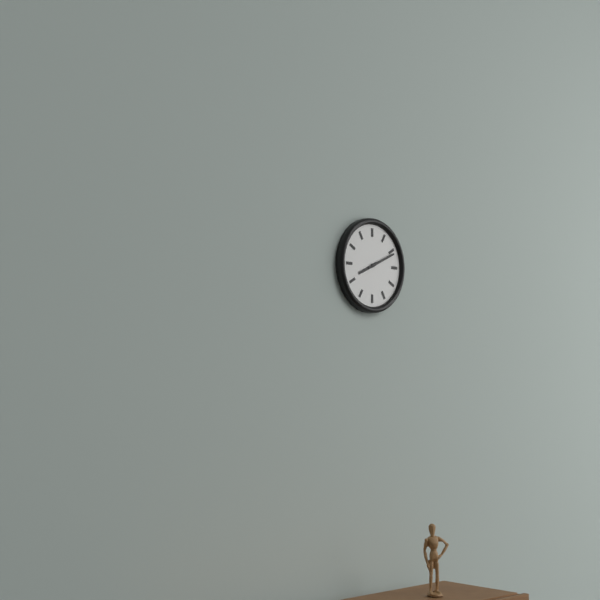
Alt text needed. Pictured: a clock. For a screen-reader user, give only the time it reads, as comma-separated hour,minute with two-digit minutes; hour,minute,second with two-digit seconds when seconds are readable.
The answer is 8,11
